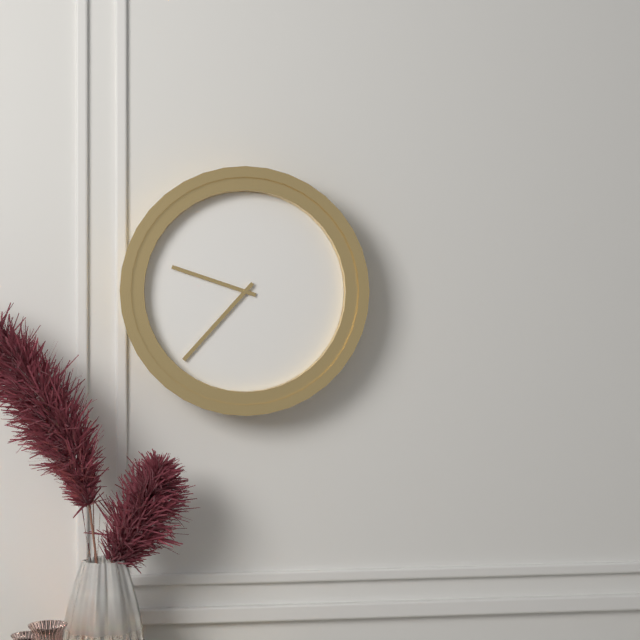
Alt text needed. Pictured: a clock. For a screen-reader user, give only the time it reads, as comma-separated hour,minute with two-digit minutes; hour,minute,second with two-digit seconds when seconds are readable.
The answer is 9,37
